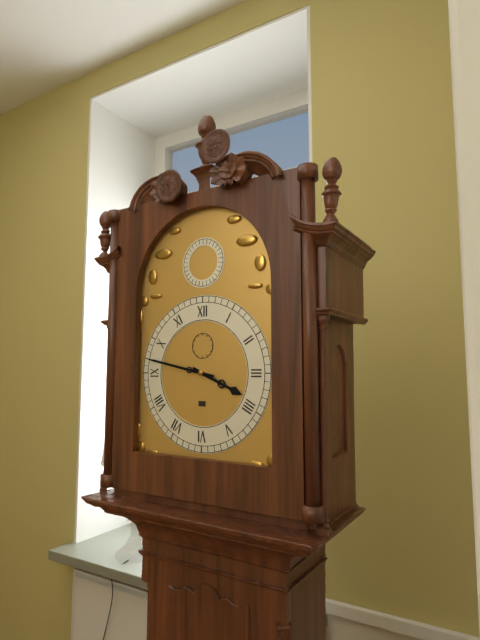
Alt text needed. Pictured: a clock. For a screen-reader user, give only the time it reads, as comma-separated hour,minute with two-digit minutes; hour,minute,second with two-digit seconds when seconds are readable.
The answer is 3,47
